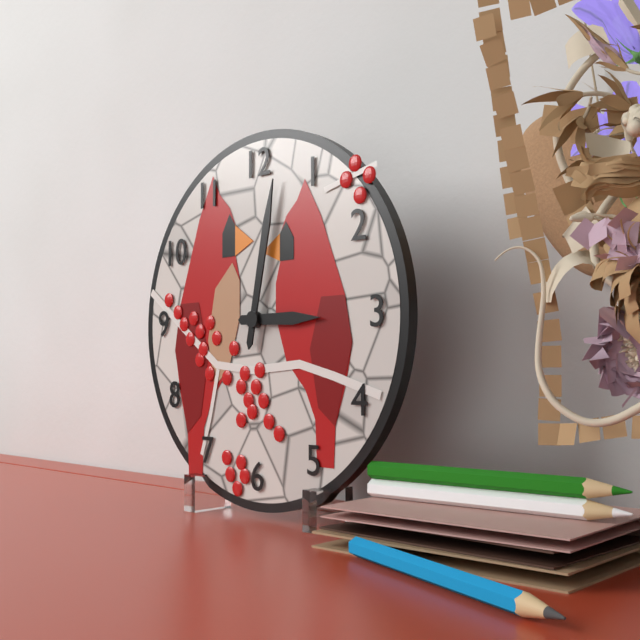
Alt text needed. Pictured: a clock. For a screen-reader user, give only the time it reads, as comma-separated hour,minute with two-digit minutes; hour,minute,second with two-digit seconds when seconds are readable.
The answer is 3,02
